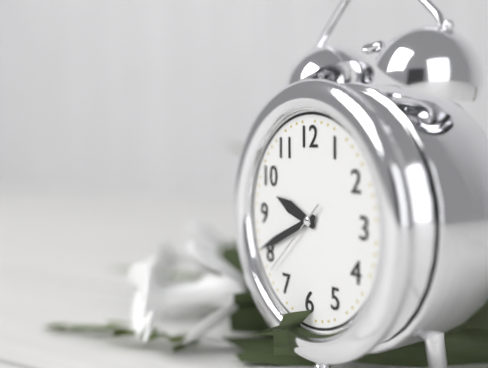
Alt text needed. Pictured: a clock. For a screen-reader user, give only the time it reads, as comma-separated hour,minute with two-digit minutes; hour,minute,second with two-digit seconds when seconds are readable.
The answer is 9,41,38
